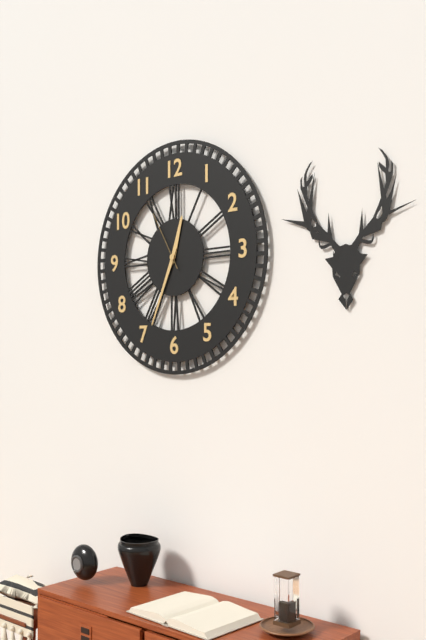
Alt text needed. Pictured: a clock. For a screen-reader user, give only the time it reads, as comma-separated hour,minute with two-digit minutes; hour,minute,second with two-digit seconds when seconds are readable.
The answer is 12,34,55
